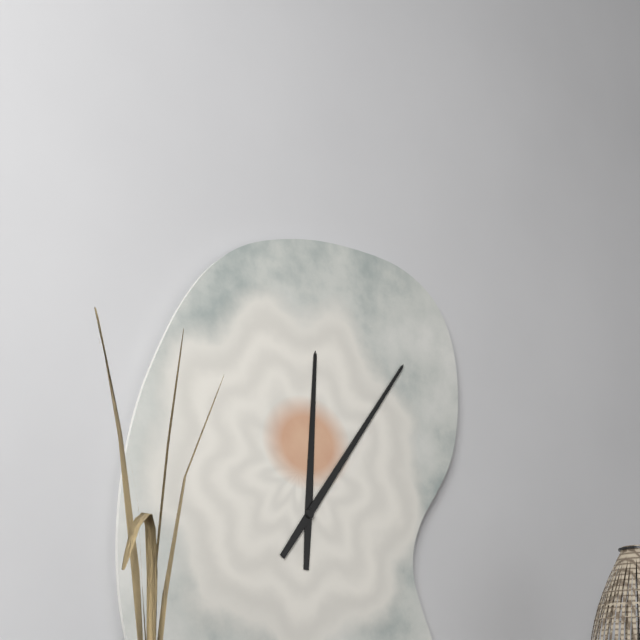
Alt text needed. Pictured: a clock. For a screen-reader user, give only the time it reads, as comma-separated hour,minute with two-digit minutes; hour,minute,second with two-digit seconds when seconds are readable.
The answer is 12,06
